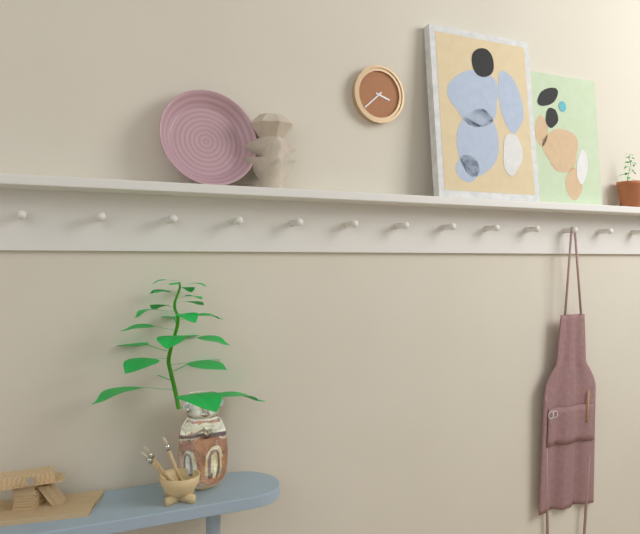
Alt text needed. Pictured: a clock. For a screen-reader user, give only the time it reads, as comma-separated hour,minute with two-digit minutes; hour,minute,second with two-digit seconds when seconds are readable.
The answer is 3,38
